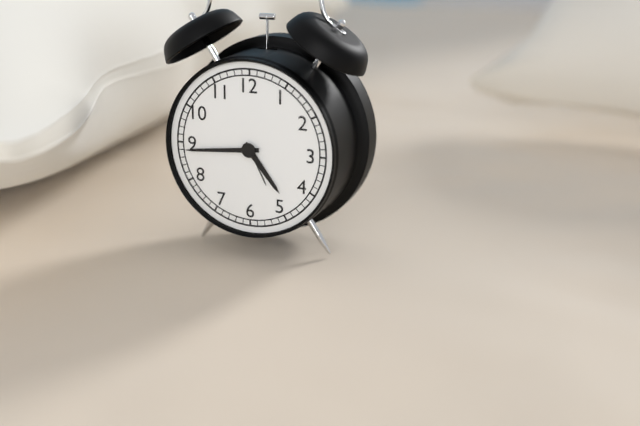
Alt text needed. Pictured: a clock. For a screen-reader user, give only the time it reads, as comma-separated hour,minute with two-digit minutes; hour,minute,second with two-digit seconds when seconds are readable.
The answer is 4,44
